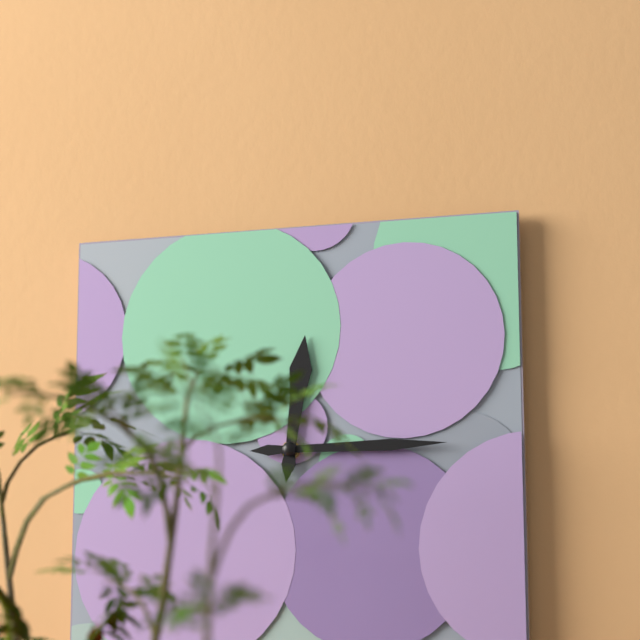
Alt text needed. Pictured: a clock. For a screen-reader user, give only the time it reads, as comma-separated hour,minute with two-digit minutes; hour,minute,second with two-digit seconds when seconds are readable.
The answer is 12,15
